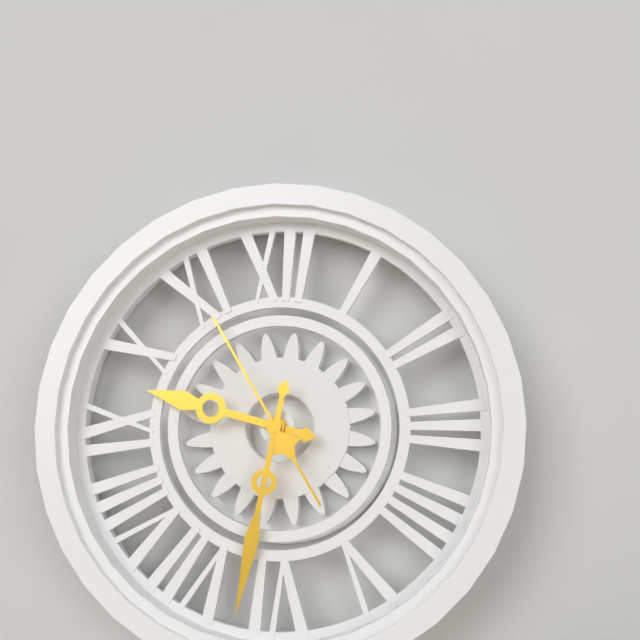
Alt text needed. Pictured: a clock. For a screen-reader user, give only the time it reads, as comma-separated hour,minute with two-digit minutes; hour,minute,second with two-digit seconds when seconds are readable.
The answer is 9,32,55
